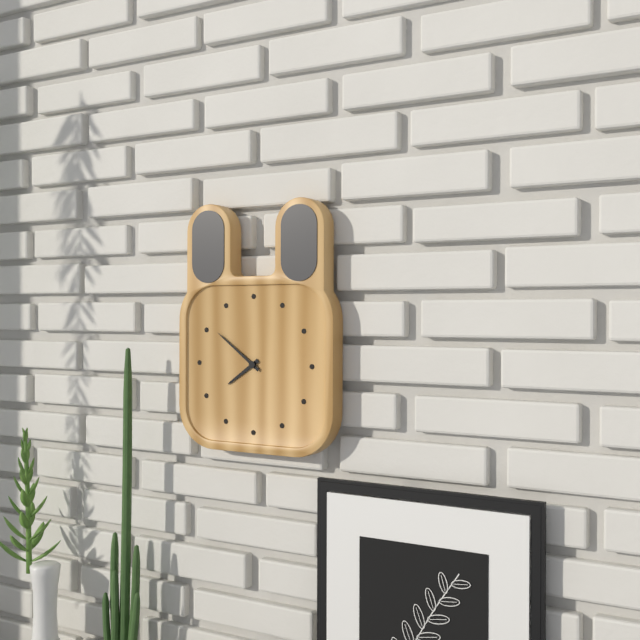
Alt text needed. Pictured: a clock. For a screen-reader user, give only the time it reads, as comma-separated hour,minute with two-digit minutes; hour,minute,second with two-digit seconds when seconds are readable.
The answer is 7,51
